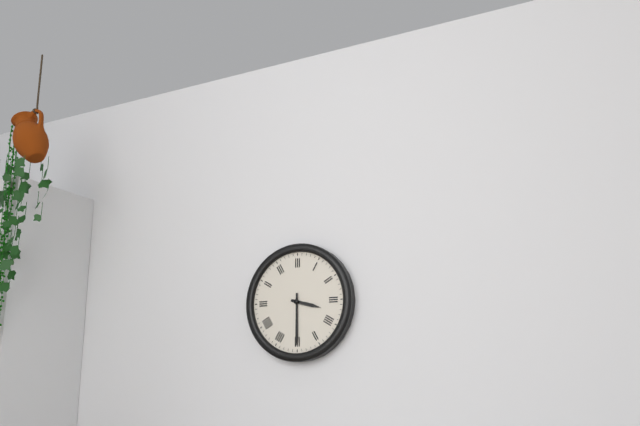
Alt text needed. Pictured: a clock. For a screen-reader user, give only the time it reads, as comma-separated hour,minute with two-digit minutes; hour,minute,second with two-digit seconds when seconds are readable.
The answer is 3,30
